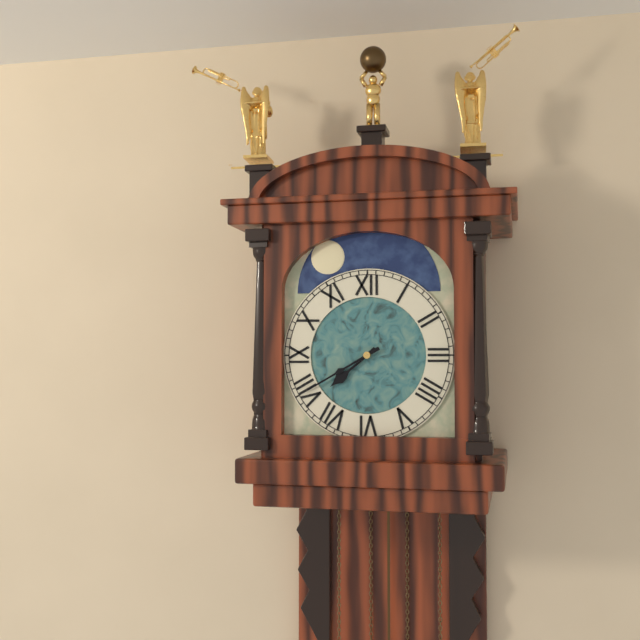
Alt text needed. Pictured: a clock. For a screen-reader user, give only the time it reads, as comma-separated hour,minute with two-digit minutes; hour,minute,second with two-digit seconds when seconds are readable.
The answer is 7,40
